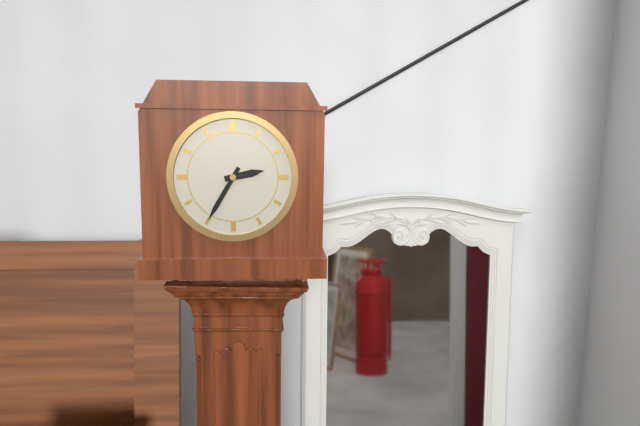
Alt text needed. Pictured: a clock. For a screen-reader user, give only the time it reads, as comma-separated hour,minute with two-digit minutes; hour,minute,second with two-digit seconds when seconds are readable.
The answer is 2,35
